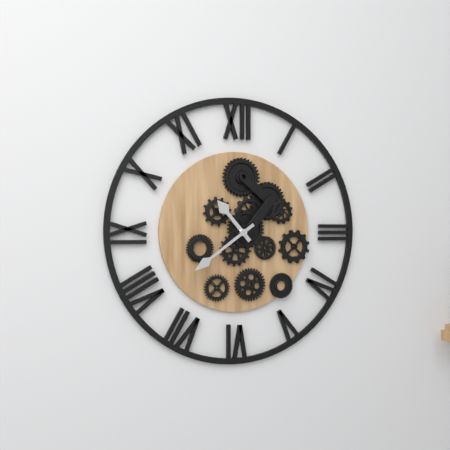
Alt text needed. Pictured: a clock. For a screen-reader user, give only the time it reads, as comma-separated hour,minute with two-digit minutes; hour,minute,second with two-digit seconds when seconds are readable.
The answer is 10,39
